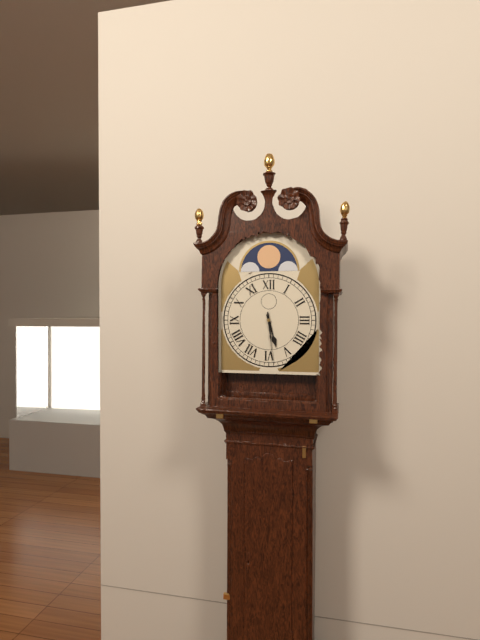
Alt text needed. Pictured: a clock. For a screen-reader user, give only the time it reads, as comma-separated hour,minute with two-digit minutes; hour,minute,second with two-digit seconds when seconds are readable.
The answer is 5,29
